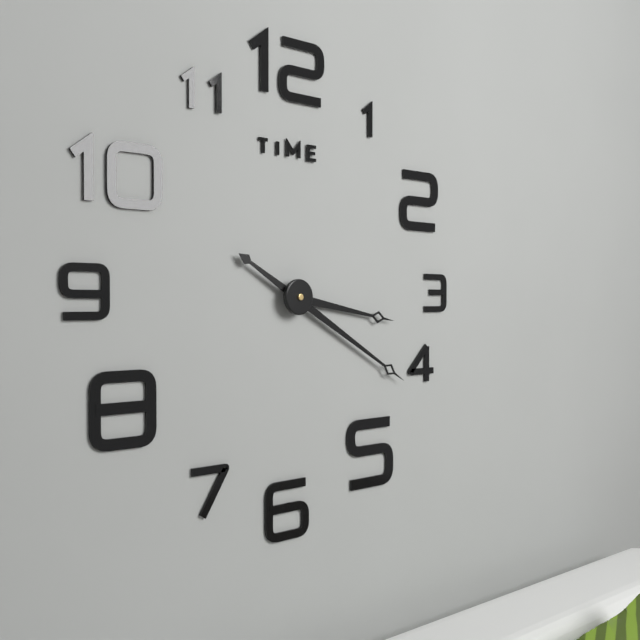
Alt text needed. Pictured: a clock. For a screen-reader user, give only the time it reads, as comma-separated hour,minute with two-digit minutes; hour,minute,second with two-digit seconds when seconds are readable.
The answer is 3,20
